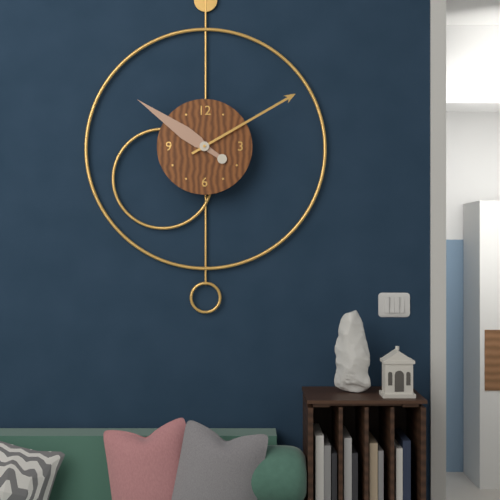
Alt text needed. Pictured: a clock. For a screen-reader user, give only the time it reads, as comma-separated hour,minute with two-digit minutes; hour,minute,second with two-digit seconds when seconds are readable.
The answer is 10,10
